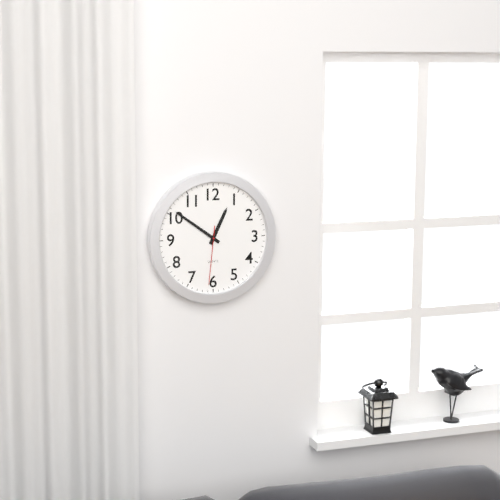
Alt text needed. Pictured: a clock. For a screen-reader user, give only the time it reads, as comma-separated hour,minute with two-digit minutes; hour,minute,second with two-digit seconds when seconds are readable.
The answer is 12,51,31
